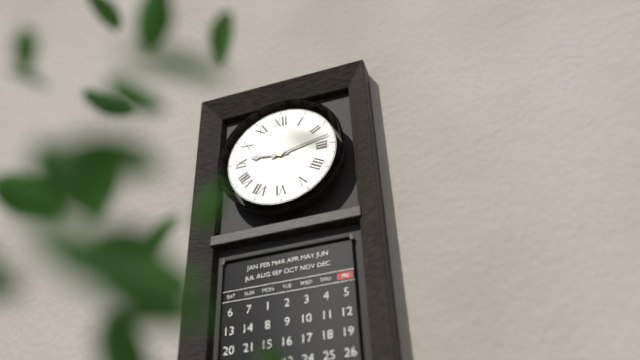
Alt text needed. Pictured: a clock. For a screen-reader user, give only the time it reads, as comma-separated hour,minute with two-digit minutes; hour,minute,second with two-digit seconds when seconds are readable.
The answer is 9,13
